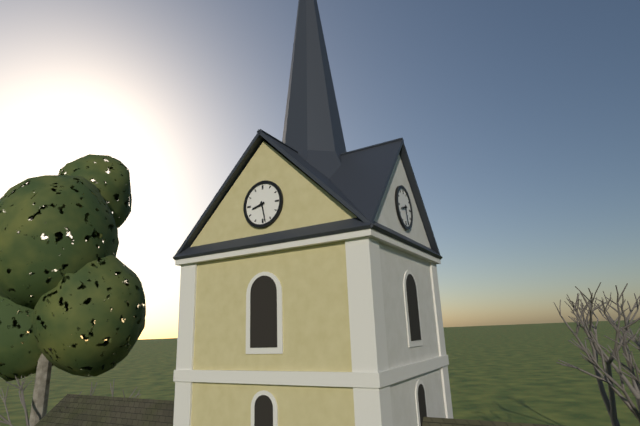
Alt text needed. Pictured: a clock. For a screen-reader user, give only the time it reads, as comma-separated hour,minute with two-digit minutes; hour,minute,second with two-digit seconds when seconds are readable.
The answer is 8,28
